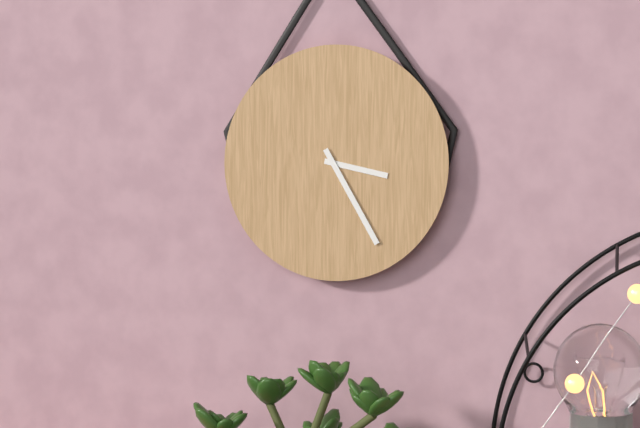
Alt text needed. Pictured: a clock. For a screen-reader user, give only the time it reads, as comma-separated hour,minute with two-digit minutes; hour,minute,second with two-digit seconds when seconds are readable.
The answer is 3,25
